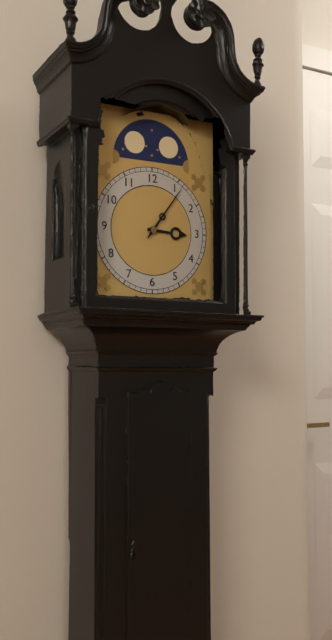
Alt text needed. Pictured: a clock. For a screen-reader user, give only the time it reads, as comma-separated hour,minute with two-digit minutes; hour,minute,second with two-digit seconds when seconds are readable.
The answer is 3,06
